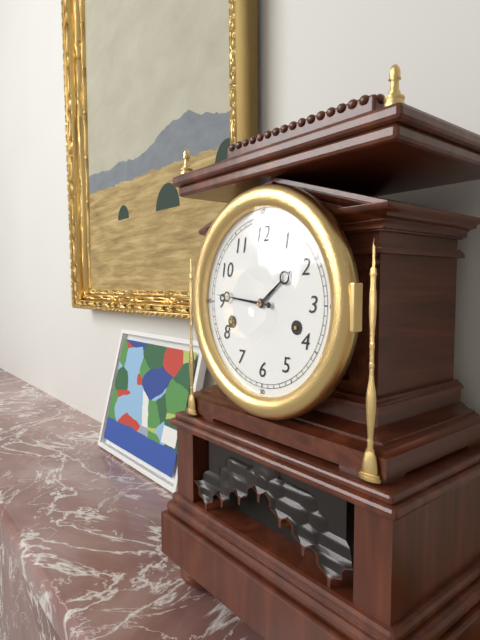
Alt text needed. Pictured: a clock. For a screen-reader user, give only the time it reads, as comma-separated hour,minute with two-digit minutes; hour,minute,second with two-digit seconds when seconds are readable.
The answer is 1,46
